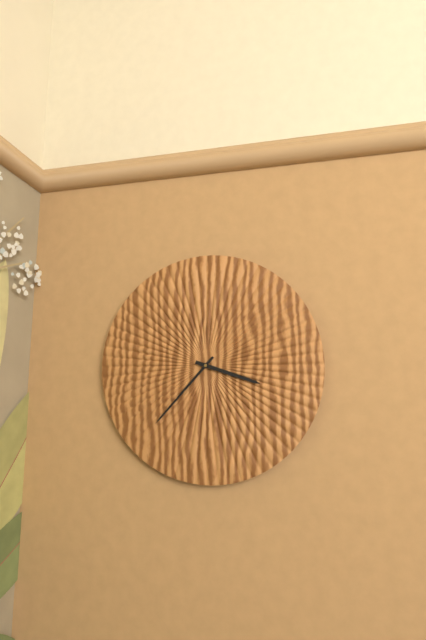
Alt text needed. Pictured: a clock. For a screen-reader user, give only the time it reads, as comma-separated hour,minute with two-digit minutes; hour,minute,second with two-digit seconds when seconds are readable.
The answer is 3,37
